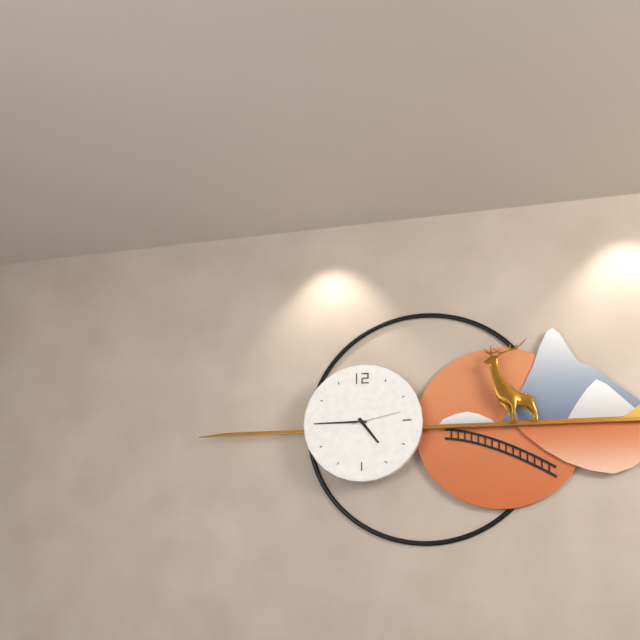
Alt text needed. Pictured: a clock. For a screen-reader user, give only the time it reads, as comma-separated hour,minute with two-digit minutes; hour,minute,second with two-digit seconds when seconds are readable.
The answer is 4,45,13
